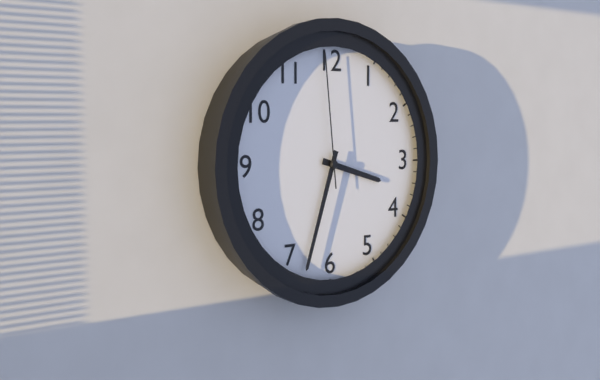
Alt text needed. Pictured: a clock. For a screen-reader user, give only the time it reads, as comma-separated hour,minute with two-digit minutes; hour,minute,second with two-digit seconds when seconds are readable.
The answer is 3,33,59
